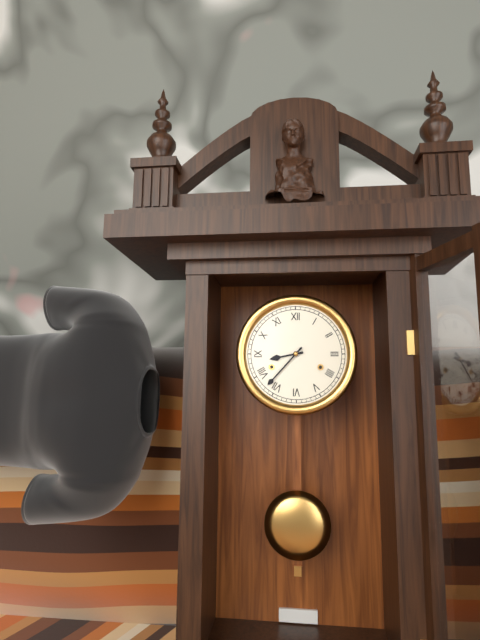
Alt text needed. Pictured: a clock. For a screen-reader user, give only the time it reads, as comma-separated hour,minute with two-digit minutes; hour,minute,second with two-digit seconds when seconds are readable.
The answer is 8,37
